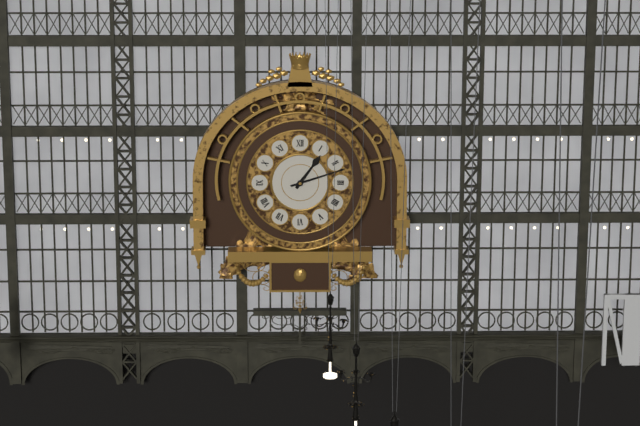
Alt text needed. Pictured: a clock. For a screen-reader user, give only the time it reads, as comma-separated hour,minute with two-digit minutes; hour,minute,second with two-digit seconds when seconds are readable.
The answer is 1,12
